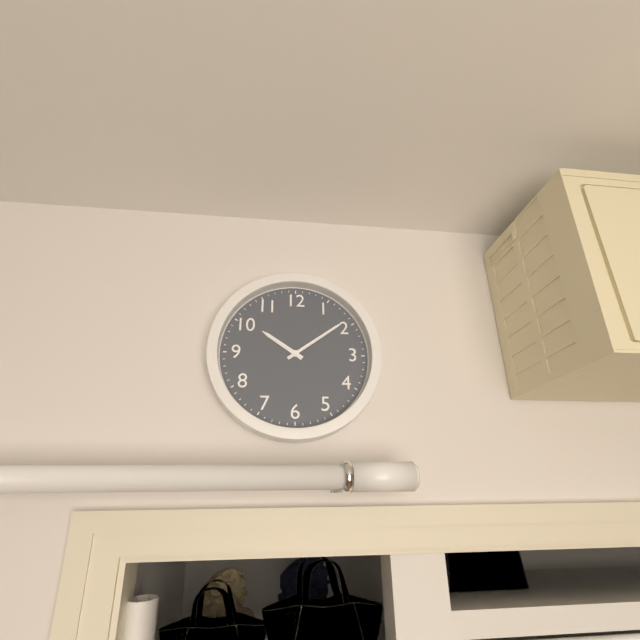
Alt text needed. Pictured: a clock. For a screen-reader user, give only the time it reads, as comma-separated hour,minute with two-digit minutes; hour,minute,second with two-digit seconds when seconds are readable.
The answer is 10,09
